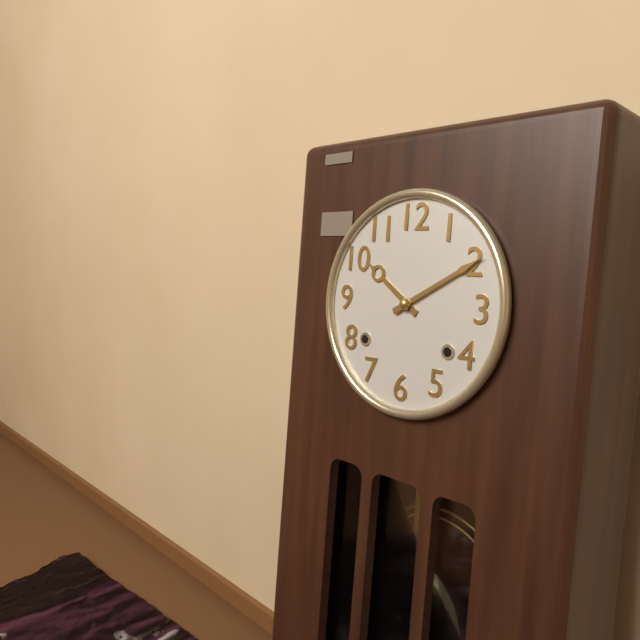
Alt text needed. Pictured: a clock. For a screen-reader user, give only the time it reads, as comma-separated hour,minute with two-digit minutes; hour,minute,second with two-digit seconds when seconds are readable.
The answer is 10,10
